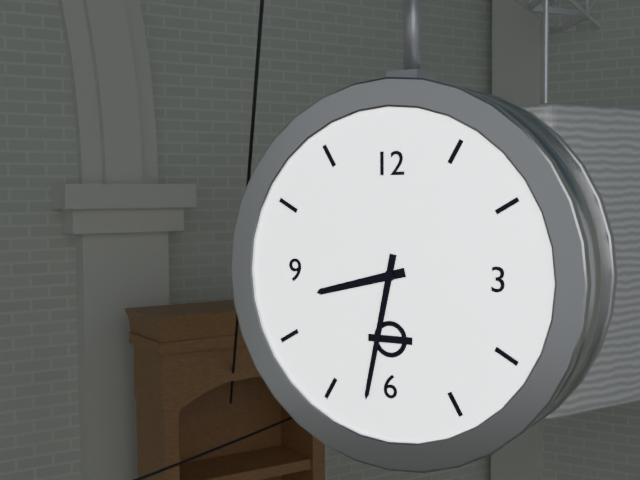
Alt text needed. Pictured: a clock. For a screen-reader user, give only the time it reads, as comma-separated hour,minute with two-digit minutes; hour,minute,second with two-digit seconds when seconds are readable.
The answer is 8,32
